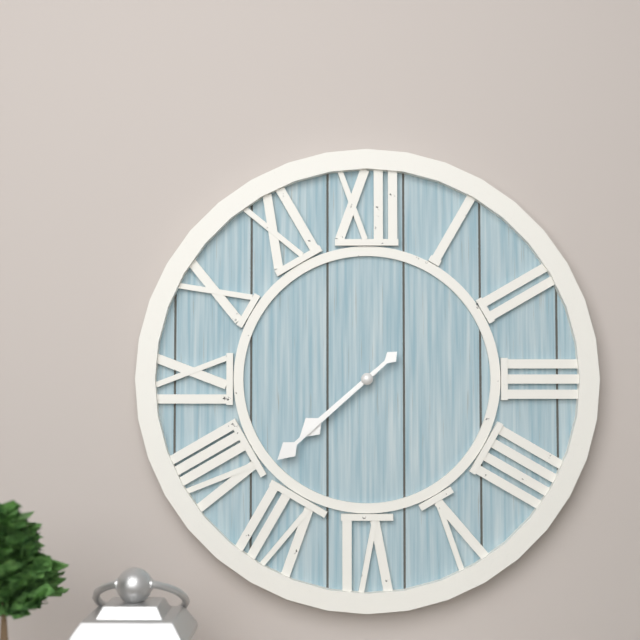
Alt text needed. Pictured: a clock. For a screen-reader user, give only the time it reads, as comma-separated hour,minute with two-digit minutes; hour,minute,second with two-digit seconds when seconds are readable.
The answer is 7,38
